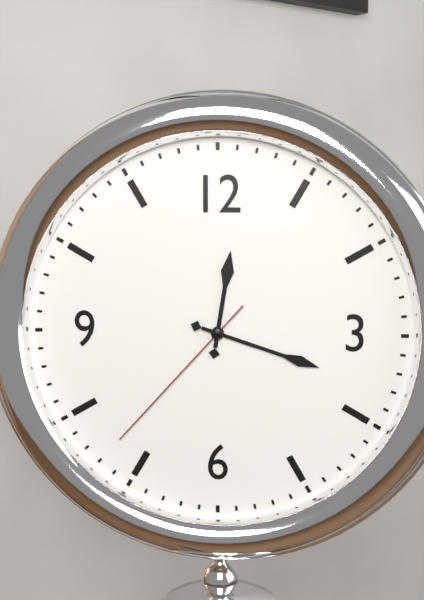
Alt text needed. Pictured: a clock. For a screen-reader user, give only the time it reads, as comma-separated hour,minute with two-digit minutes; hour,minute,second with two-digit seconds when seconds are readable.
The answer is 12,18,37
